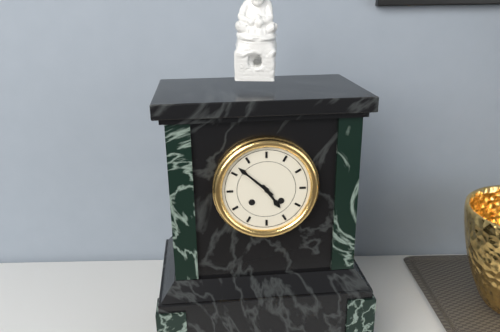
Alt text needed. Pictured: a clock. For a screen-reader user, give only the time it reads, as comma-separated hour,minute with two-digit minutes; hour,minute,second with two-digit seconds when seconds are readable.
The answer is 4,52
